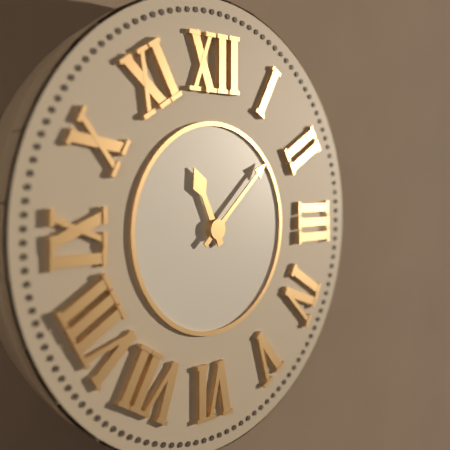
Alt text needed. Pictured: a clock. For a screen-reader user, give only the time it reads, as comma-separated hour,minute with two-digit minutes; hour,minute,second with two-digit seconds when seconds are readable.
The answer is 11,08
